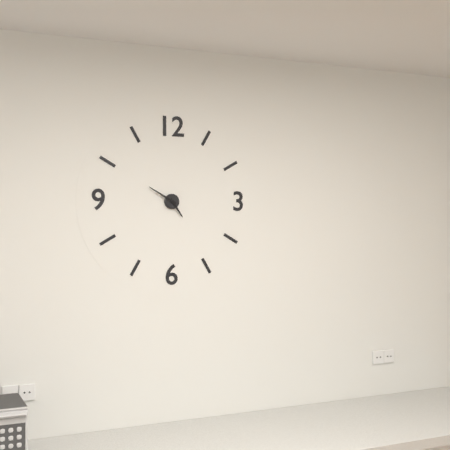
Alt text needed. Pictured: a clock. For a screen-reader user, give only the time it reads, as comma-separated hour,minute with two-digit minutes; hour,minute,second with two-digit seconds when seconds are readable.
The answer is 4,50
